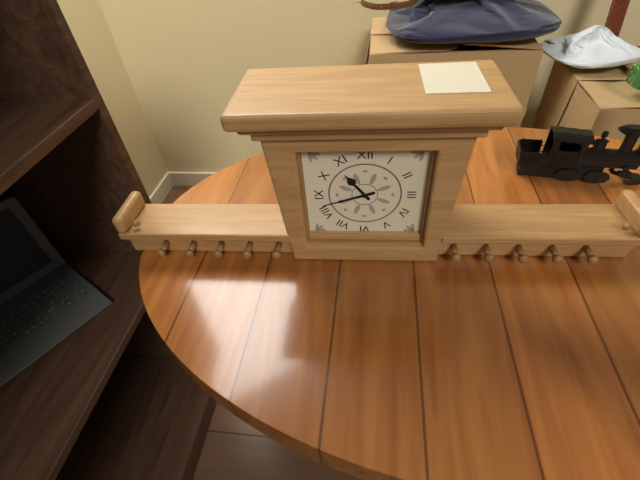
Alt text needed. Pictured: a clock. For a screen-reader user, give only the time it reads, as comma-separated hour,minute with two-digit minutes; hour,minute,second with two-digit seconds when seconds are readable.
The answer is 10,42
